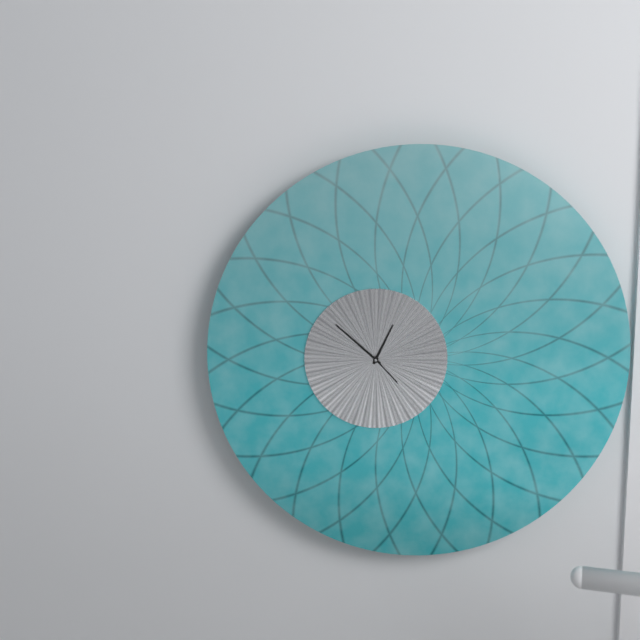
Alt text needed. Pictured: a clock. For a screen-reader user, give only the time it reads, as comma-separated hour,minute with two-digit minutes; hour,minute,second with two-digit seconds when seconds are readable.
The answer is 12,52
